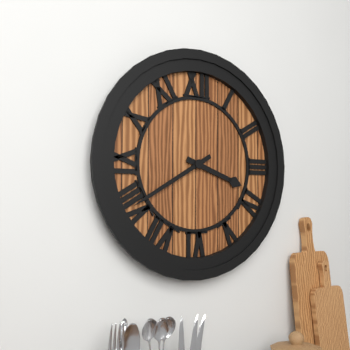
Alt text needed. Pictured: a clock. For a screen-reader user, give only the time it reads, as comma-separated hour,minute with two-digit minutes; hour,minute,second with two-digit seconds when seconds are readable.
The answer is 3,40
